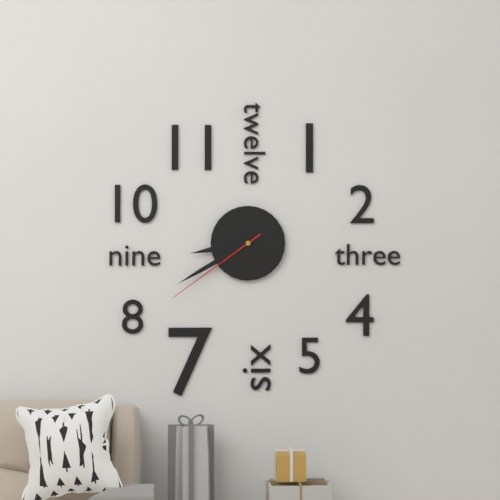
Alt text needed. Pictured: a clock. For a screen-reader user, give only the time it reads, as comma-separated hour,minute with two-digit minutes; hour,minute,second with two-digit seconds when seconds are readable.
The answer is 8,40,39
